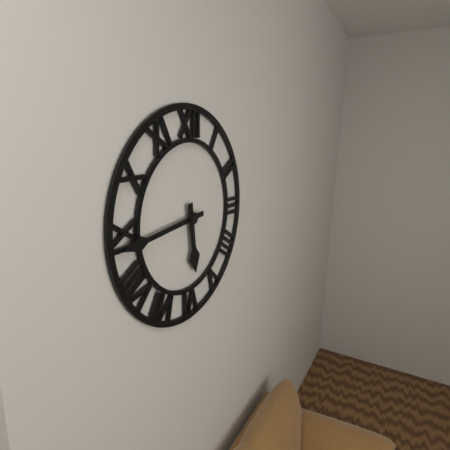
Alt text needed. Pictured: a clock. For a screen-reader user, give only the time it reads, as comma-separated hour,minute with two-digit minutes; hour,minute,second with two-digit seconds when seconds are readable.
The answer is 5,44
